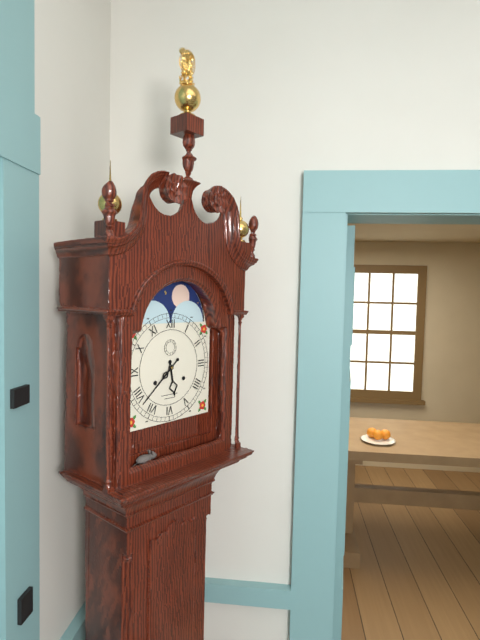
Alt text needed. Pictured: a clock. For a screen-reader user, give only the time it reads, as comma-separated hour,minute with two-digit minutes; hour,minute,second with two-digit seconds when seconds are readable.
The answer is 5,38
